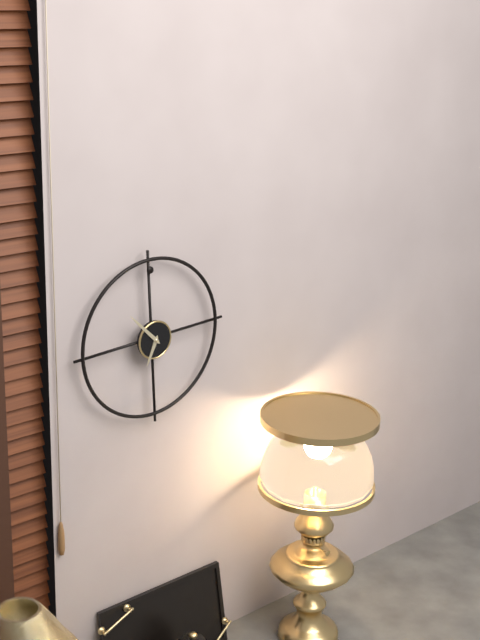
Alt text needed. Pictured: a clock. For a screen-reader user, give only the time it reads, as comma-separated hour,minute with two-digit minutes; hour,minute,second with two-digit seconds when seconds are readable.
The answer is 6,53
